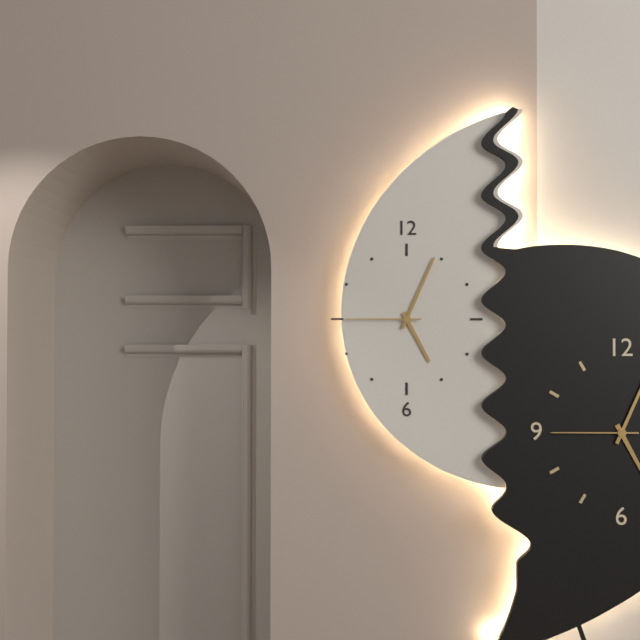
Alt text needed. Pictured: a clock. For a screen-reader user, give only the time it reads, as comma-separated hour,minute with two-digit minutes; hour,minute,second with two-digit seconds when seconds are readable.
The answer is 5,04,45
